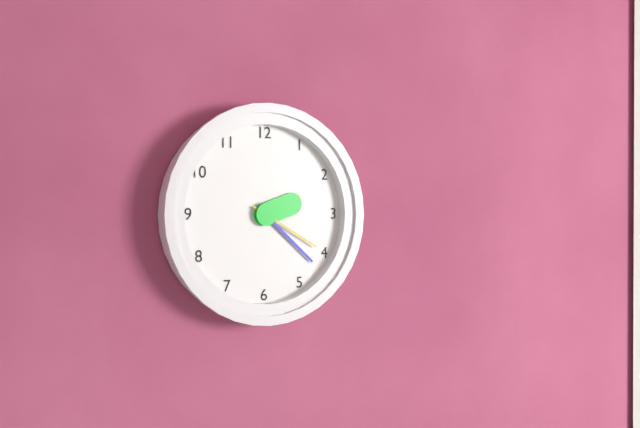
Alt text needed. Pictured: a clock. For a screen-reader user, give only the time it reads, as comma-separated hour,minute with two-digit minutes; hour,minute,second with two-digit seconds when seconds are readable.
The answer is 2,22,20
